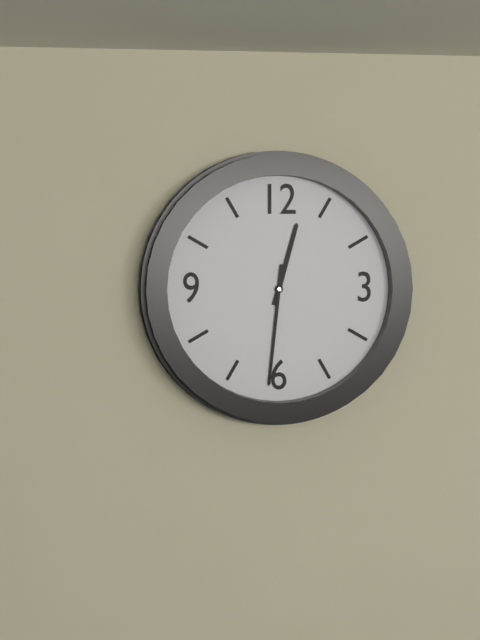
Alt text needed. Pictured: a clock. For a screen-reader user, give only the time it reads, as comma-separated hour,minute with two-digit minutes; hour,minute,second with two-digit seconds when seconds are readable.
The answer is 12,31
